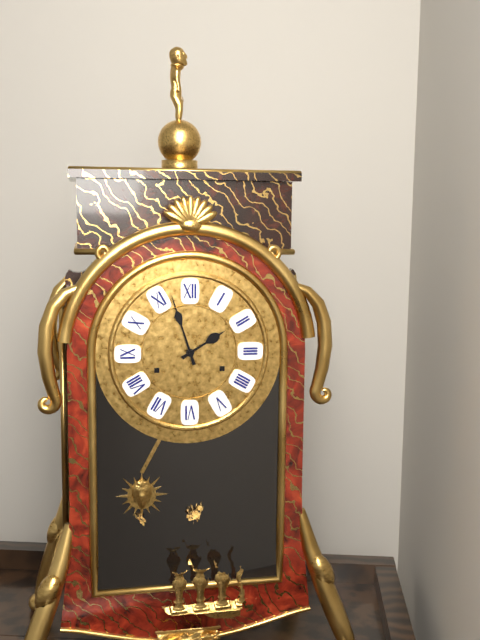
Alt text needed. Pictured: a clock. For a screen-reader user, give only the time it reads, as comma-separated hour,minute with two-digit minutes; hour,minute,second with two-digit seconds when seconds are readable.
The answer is 1,57
